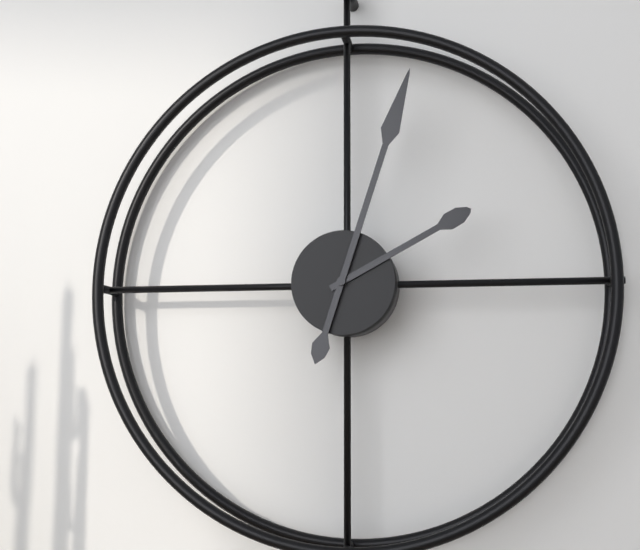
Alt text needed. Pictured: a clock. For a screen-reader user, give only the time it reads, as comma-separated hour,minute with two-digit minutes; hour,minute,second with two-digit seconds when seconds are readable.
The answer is 2,03
